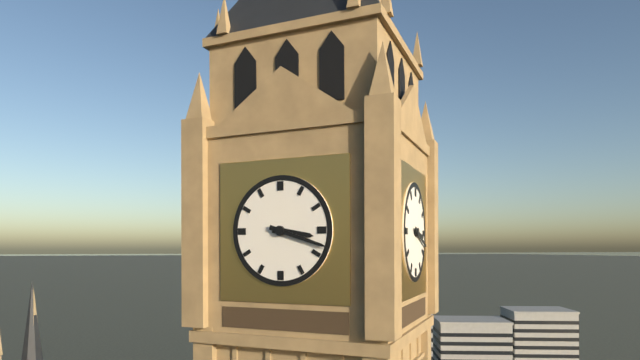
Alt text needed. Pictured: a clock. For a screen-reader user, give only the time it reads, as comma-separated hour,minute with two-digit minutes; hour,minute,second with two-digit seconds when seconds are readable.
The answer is 3,18
